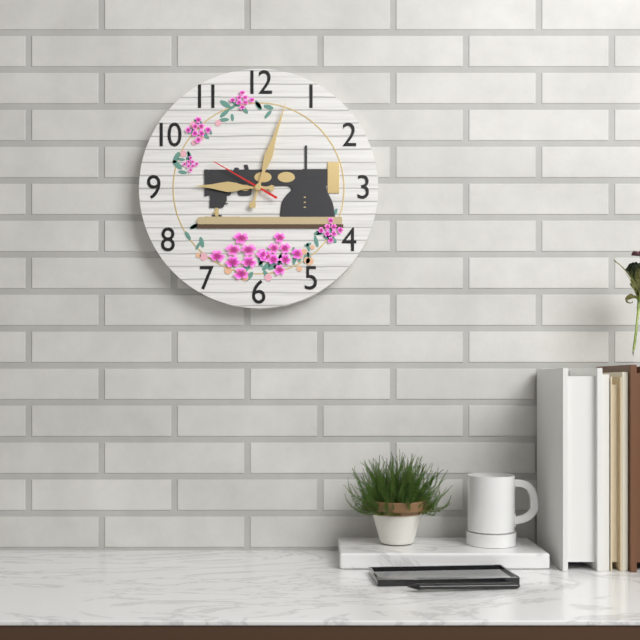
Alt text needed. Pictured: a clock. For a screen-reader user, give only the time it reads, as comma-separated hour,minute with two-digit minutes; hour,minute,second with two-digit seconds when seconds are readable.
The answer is 9,03,50
